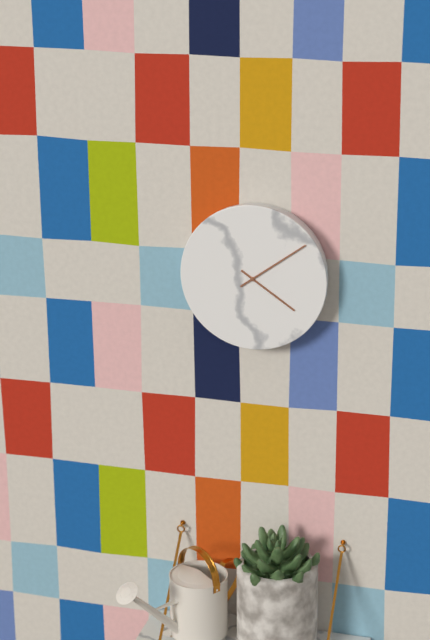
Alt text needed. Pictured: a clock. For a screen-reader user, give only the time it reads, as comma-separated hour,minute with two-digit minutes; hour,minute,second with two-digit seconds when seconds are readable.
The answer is 4,09
